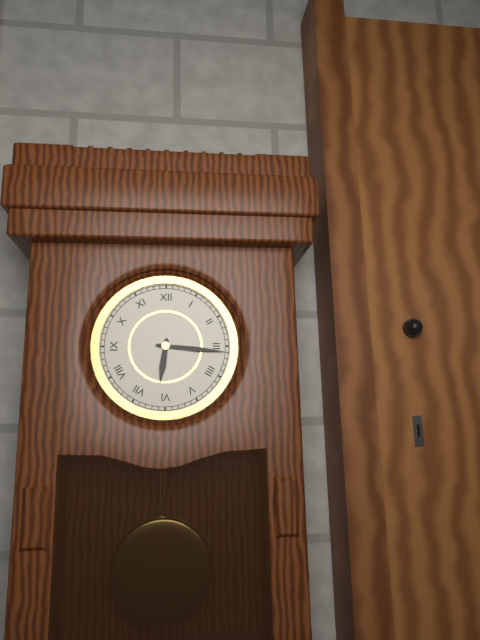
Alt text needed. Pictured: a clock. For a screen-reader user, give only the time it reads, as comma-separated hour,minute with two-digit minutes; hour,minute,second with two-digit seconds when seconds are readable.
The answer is 6,16
